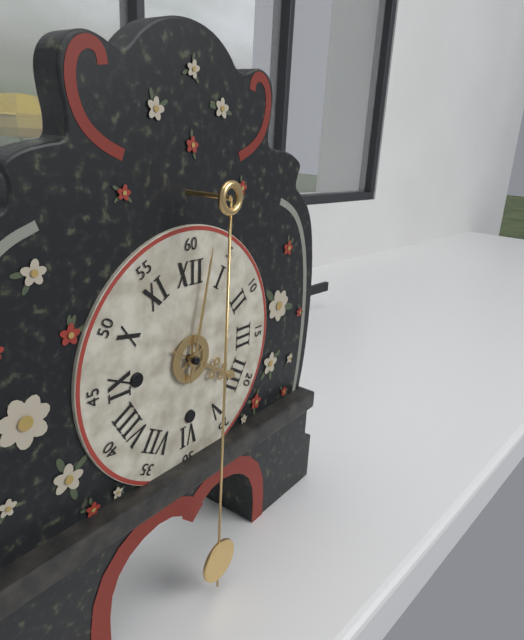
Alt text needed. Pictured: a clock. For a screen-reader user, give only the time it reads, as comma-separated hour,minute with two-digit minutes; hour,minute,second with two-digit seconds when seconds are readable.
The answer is 4,02
